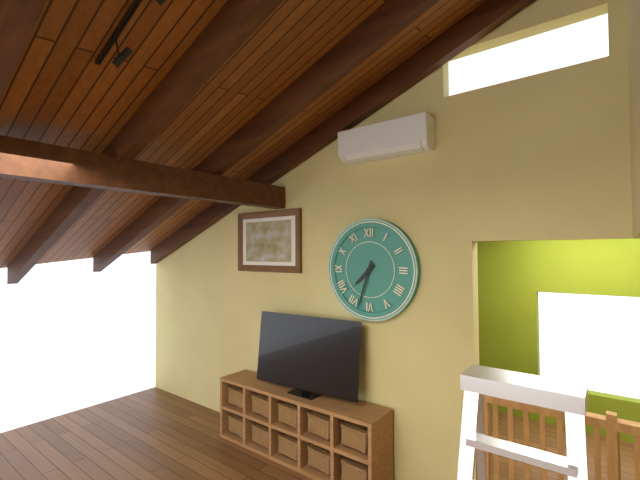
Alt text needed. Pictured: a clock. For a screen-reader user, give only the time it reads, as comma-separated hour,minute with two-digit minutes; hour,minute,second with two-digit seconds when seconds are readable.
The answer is 7,33
